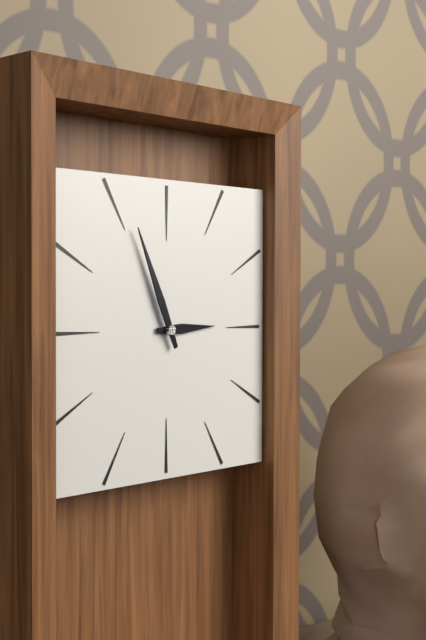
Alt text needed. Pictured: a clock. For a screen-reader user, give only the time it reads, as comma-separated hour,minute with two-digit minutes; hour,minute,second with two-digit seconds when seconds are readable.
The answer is 2,56
